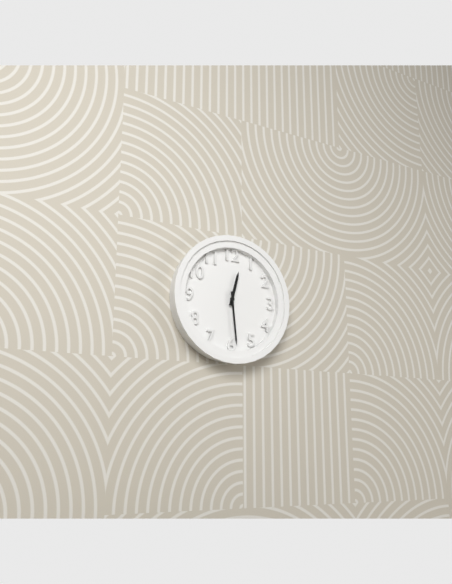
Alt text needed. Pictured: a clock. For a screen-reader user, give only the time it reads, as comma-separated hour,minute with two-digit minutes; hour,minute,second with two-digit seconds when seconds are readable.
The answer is 12,29
